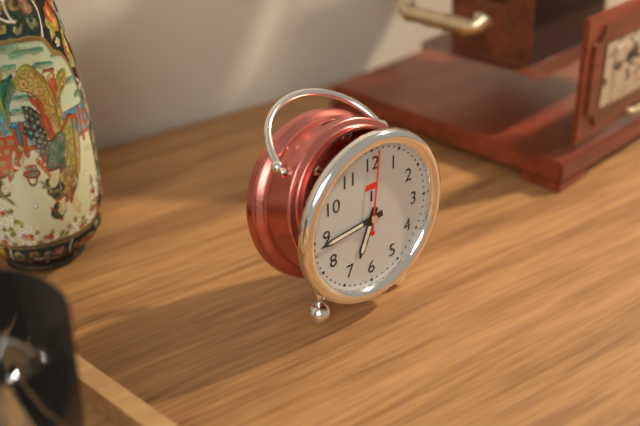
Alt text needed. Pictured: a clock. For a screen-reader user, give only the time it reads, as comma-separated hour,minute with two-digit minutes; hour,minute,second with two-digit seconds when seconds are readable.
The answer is 6,44,01
